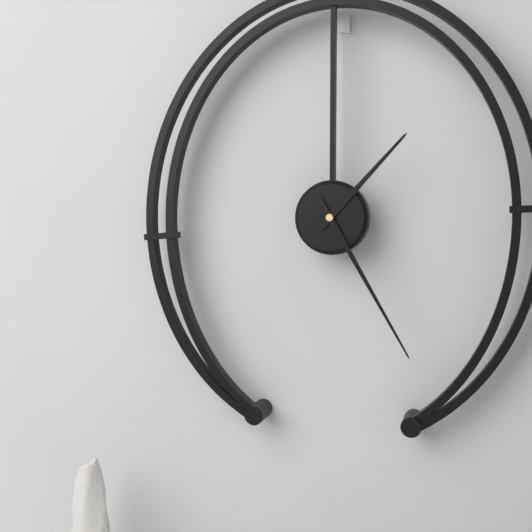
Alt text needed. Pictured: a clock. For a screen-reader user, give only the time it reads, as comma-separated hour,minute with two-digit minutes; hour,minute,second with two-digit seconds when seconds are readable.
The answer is 1,25
